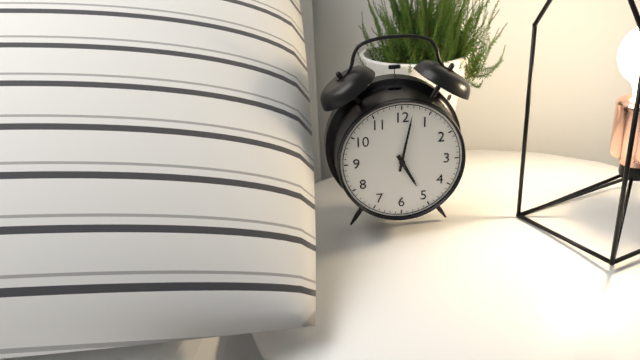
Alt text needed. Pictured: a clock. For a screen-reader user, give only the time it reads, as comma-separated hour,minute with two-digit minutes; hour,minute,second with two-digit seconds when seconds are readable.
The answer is 5,02
